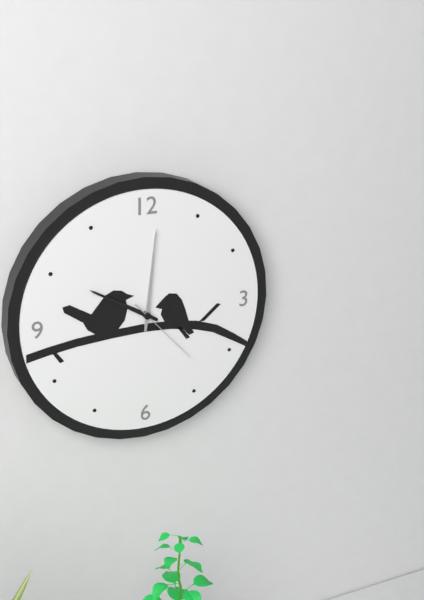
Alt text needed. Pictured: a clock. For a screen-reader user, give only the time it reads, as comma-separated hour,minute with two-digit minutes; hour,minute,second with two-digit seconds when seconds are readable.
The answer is 10,01,23
